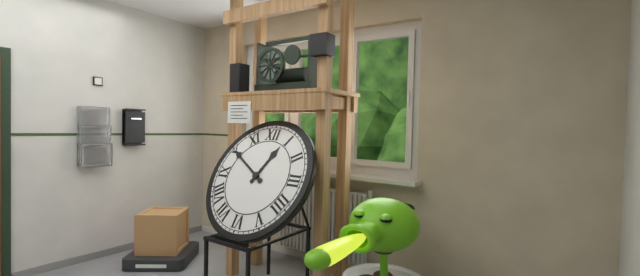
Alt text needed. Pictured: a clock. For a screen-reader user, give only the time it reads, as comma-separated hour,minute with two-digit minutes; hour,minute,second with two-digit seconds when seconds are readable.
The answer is 12,50
